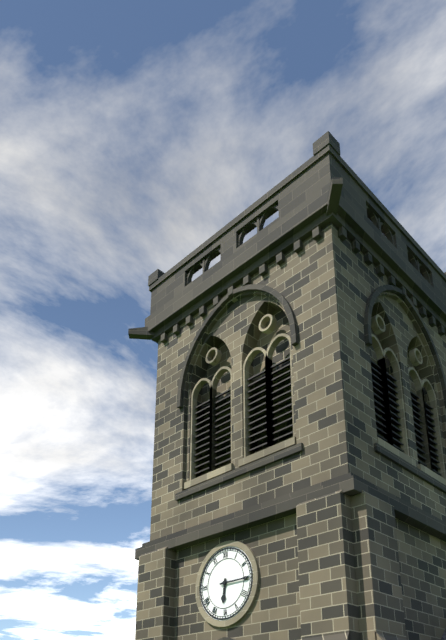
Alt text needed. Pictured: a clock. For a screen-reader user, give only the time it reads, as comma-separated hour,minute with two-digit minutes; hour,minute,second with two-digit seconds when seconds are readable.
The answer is 6,15
